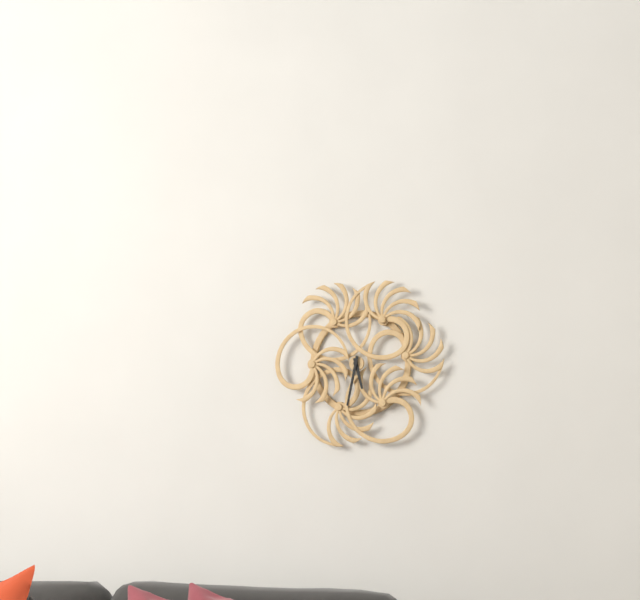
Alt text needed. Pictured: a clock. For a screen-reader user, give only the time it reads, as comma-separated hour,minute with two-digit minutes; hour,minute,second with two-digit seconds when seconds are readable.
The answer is 5,32
